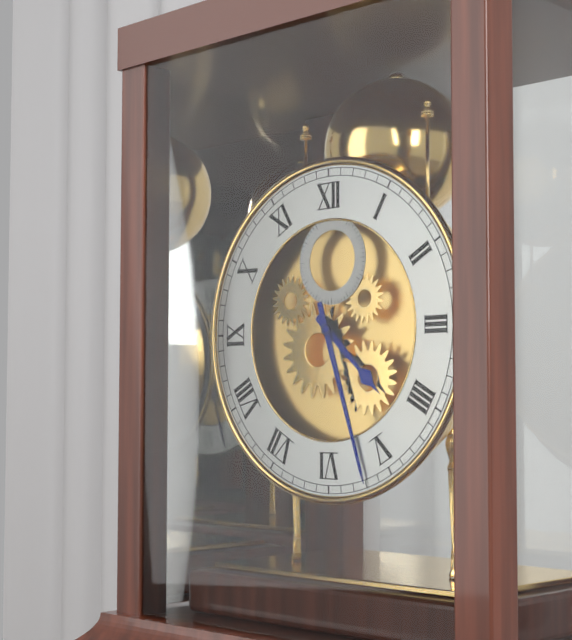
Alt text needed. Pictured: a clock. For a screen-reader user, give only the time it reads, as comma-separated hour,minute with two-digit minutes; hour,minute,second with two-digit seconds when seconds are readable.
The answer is 4,27
